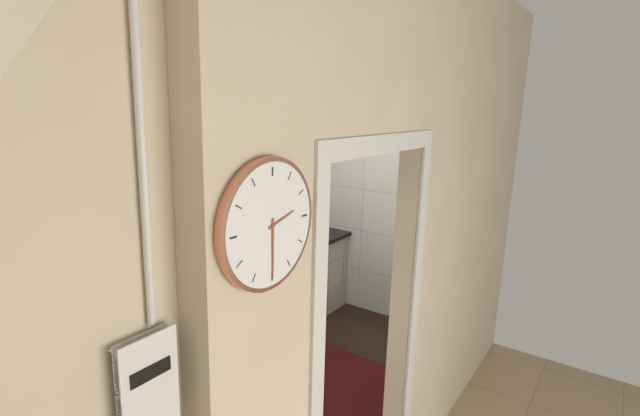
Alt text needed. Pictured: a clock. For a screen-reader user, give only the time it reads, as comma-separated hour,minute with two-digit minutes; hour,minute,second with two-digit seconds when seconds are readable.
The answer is 2,30
